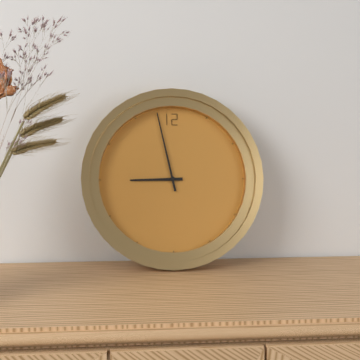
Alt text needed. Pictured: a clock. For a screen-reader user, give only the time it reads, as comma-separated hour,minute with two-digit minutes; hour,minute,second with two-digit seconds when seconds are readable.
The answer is 8,58
